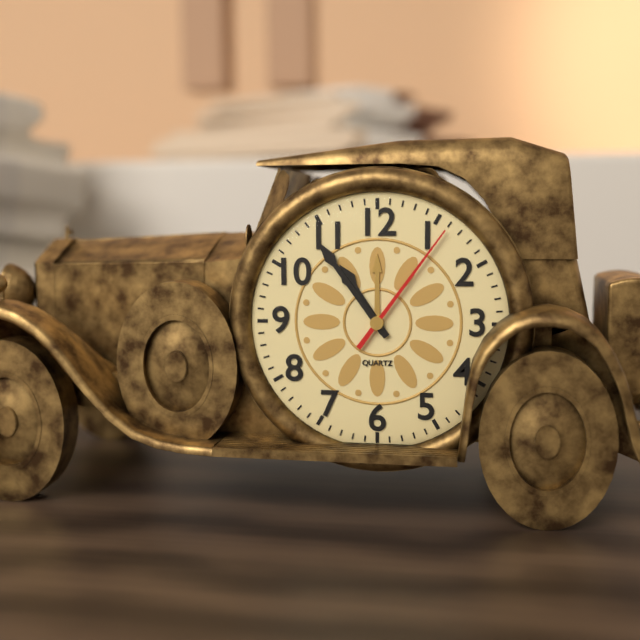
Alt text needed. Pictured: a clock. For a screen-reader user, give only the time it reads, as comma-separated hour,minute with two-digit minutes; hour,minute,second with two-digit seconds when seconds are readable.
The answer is 10,54,06
